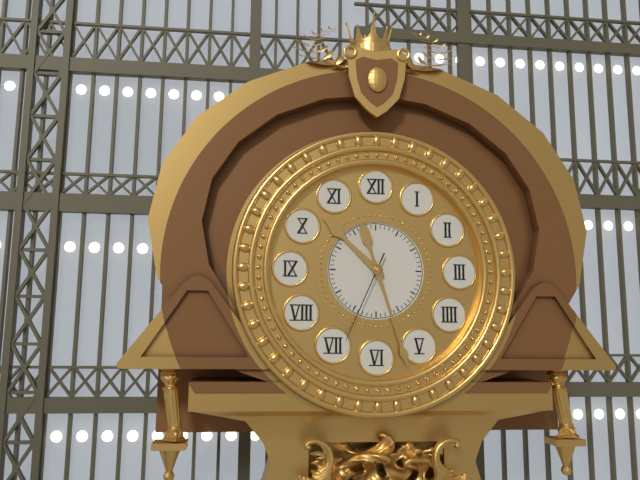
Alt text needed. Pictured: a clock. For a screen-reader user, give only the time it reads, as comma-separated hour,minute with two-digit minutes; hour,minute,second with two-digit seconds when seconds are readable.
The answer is 10,27,34
